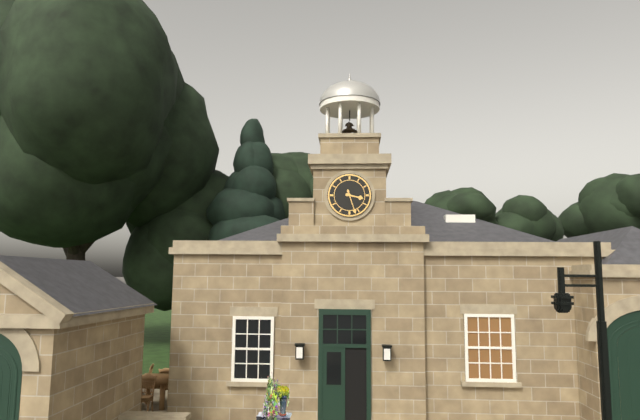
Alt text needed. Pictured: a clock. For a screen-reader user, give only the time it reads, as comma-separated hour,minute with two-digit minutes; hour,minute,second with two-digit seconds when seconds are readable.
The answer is 3,27
